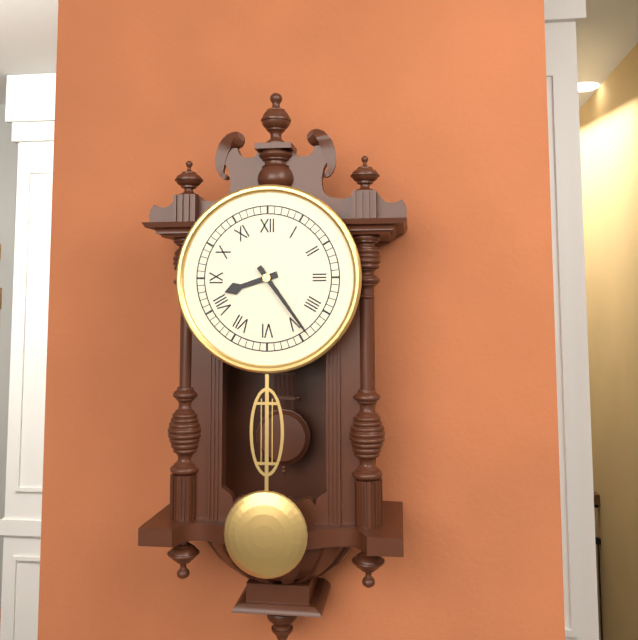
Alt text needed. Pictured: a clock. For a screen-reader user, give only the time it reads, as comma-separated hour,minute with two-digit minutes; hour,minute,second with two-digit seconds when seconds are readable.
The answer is 8,24
